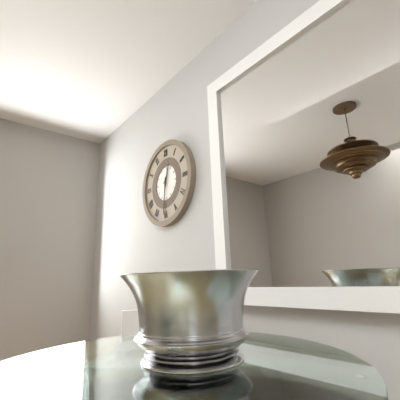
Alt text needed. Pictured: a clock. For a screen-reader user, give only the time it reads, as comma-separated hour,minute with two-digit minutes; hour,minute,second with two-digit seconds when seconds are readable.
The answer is 12,31
